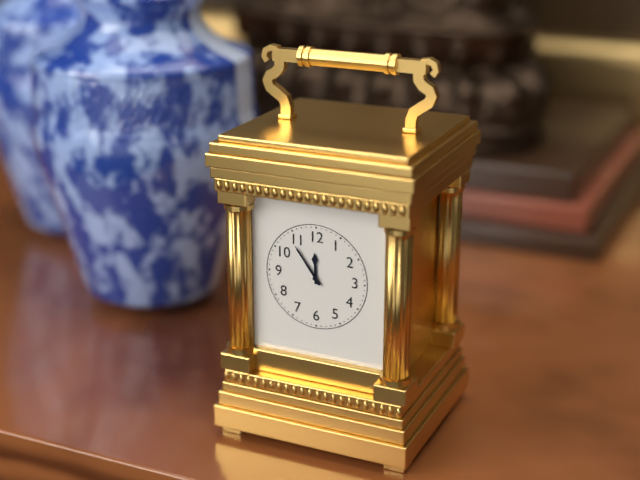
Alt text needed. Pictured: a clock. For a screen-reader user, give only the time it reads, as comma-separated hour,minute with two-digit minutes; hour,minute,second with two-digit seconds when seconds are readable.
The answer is 11,54
